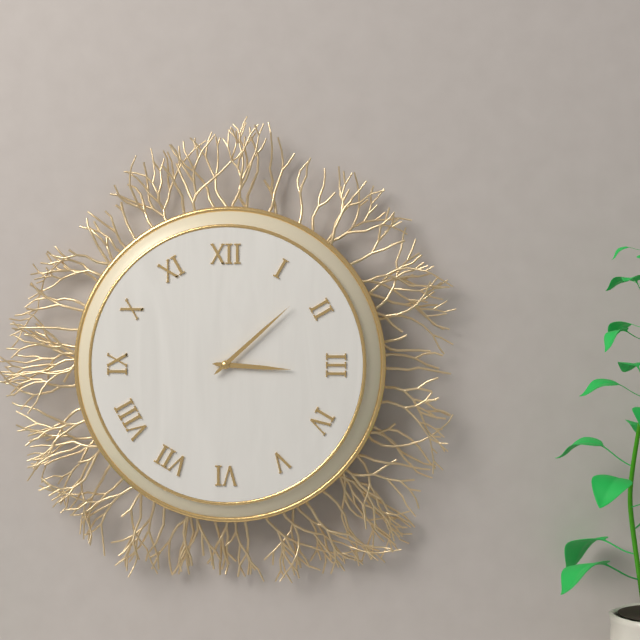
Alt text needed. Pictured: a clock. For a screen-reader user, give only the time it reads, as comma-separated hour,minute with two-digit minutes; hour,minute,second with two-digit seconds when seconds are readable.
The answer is 3,08
